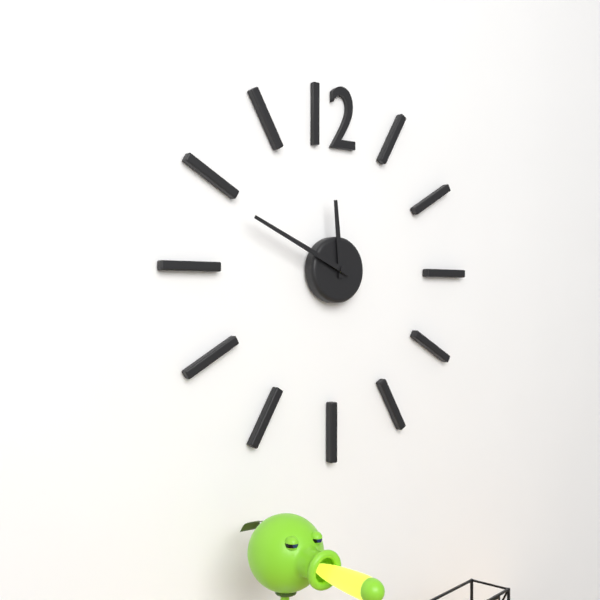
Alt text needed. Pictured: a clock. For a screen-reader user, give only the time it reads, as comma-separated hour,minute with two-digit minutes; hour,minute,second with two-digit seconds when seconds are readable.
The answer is 11,49
